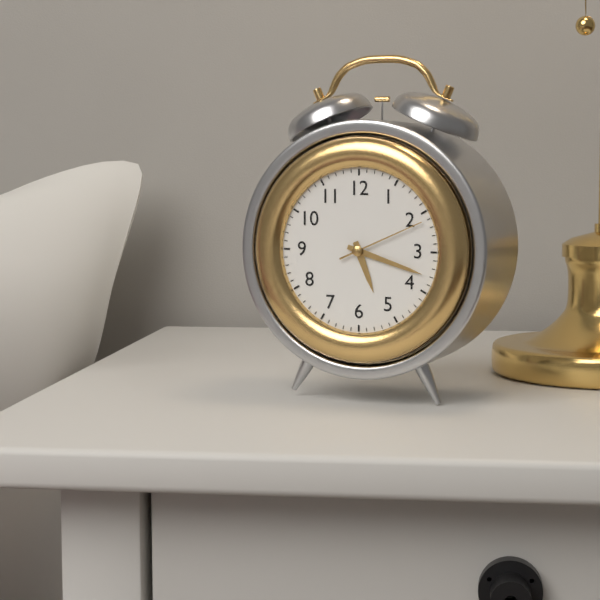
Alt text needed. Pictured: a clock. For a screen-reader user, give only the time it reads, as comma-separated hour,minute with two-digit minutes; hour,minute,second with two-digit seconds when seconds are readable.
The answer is 5,18,11
